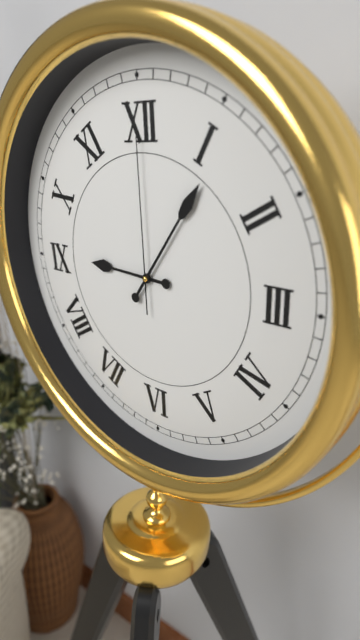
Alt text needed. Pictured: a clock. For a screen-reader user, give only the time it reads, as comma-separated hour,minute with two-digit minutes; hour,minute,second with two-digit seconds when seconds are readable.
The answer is 9,06,00
